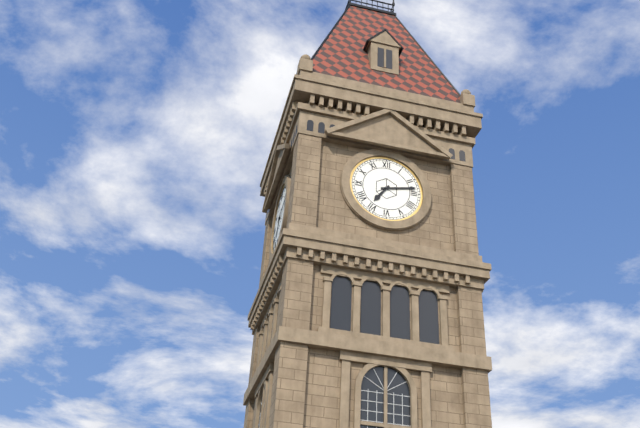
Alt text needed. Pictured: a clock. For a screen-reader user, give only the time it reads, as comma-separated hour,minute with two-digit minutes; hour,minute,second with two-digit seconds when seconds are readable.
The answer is 7,13
